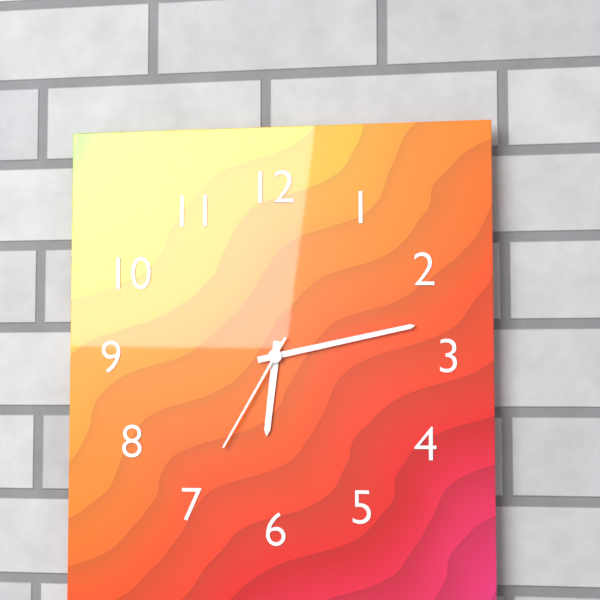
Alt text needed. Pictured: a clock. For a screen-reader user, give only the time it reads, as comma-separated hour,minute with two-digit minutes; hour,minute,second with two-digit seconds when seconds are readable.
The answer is 6,13,35
